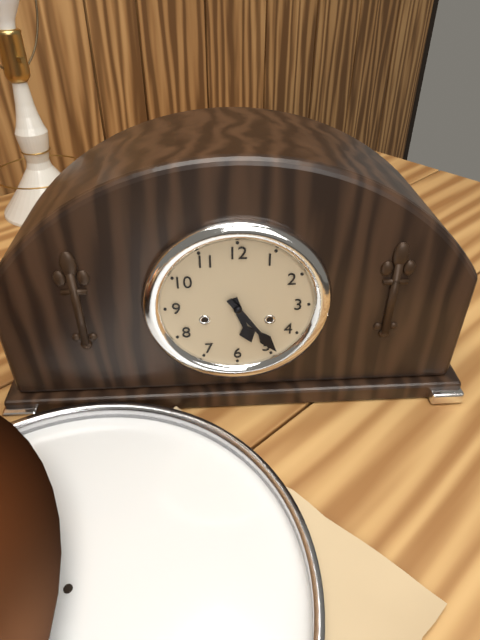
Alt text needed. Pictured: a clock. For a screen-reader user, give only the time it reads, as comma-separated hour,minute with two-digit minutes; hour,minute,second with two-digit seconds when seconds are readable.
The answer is 5,24
